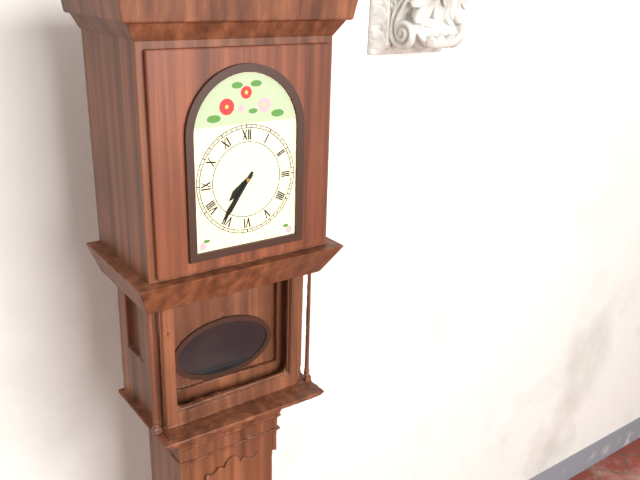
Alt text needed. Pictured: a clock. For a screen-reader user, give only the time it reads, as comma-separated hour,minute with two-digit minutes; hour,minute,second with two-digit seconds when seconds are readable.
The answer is 7,36
